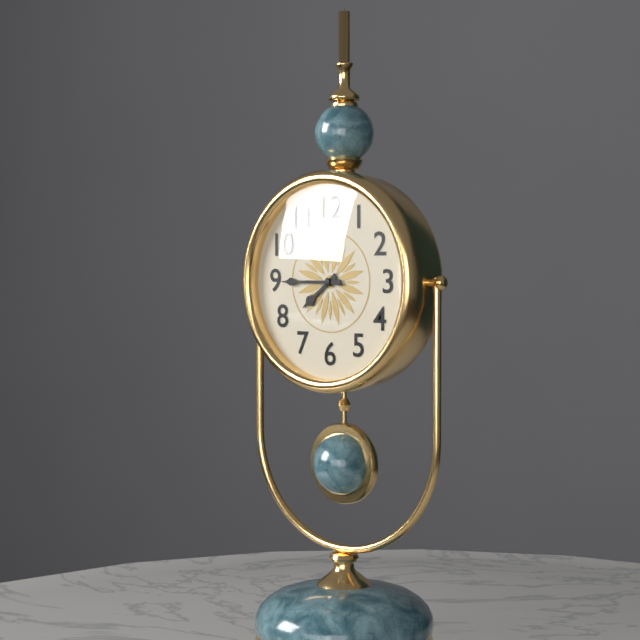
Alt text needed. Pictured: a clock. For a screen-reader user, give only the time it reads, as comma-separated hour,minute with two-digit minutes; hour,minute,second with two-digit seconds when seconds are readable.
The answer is 7,45
